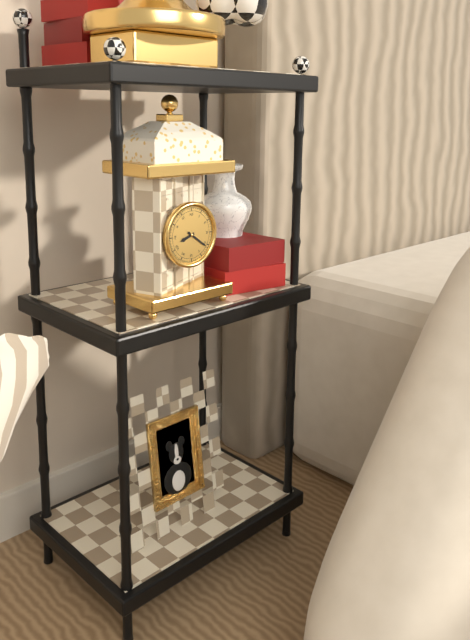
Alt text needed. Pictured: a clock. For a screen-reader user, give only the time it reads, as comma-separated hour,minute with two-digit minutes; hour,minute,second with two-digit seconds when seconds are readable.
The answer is 8,21
